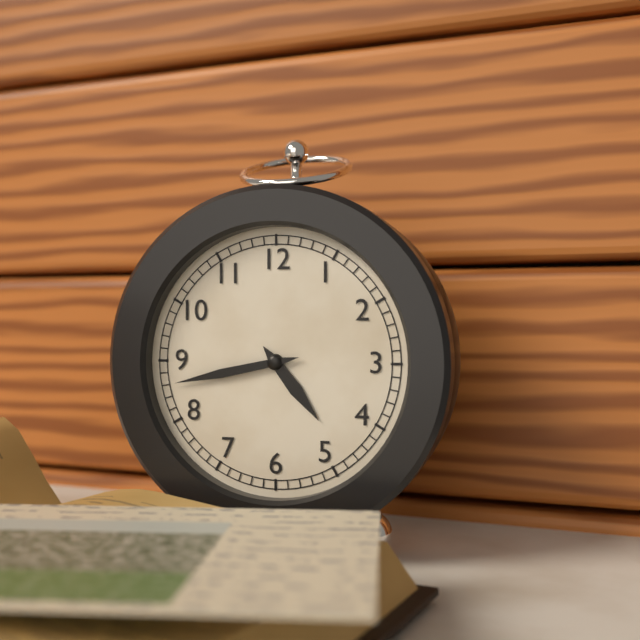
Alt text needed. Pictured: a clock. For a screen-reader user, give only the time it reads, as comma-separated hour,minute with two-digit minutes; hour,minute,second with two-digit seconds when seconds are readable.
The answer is 4,43
